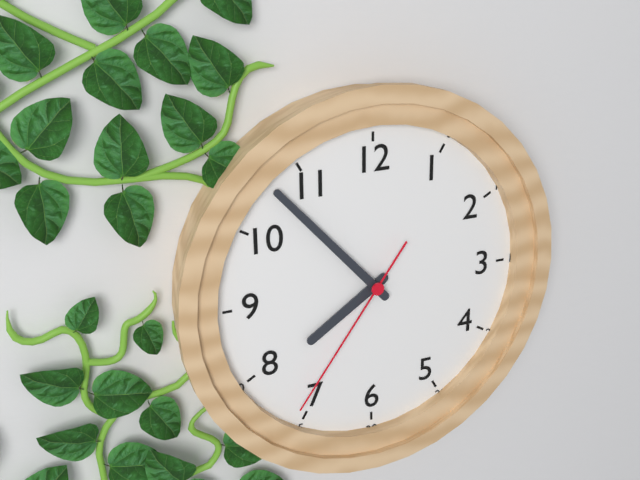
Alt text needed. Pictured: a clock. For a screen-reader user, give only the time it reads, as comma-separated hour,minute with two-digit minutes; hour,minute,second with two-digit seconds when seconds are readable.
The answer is 7,53,36
